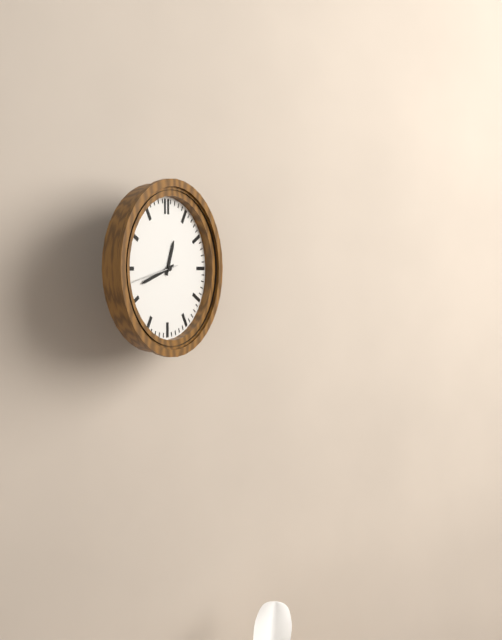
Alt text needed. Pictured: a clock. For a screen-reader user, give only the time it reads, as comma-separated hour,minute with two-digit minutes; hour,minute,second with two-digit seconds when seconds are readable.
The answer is 12,42
